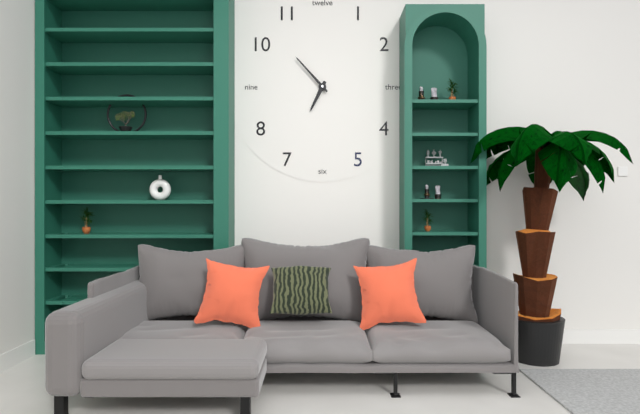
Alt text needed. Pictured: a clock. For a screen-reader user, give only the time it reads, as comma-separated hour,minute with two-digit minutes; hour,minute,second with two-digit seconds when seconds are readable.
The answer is 6,53
